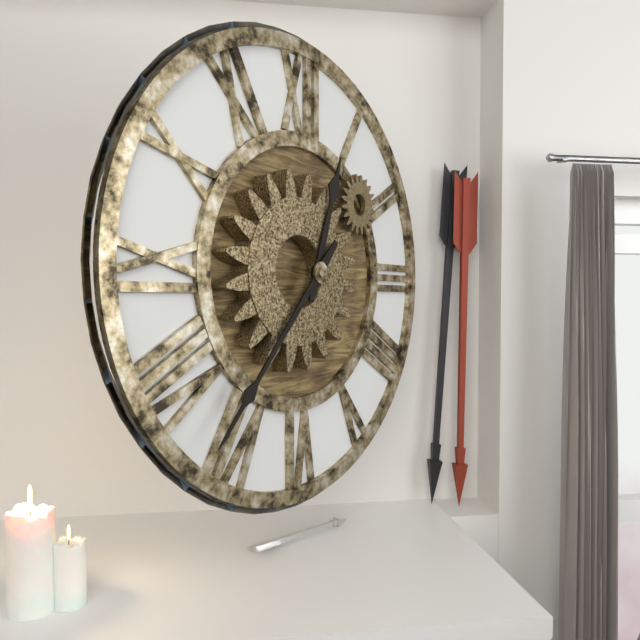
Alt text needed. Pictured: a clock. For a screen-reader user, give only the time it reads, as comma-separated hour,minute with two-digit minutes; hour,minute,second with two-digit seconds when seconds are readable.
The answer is 12,37
